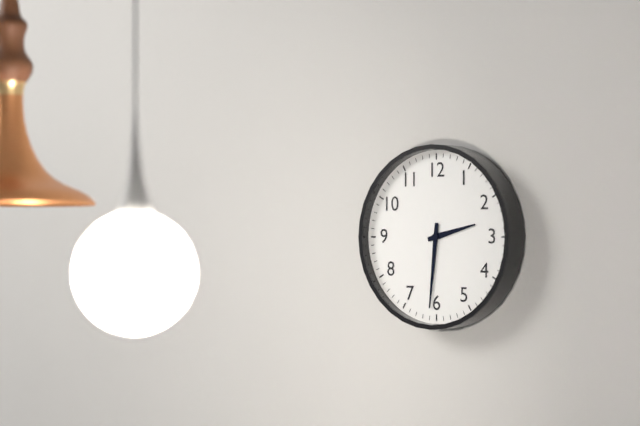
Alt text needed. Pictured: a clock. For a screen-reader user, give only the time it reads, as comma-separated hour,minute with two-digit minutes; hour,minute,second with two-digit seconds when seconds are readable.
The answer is 2,31
